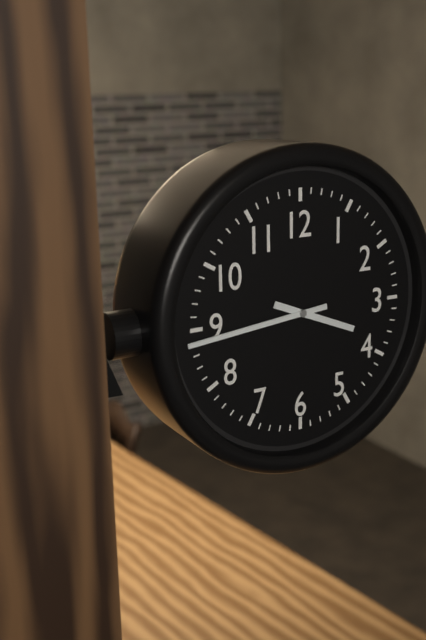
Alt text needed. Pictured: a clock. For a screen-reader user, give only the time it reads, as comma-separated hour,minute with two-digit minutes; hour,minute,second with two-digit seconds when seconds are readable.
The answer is 3,44
